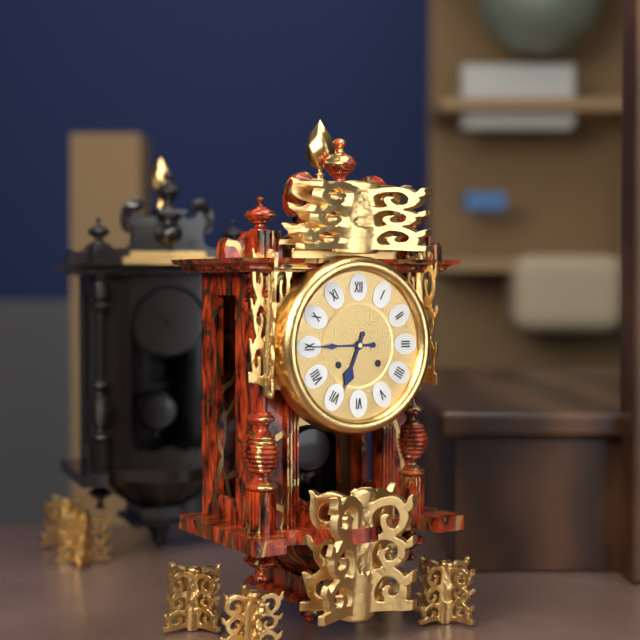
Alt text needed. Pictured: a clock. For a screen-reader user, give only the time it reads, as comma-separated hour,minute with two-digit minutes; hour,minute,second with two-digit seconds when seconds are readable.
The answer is 6,45
